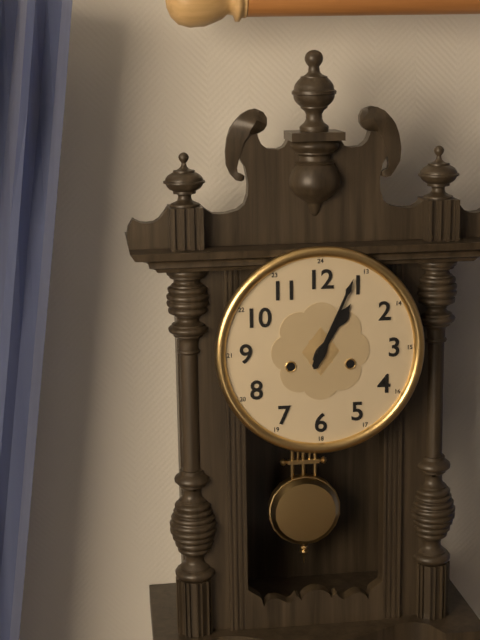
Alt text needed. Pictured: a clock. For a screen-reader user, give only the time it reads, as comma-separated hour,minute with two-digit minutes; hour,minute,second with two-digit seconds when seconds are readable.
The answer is 1,04
